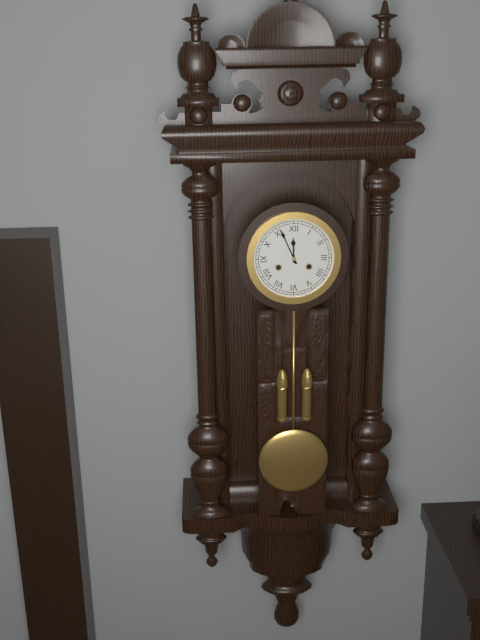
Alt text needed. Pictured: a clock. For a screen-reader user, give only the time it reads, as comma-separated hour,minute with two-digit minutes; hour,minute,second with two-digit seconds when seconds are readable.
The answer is 11,56
